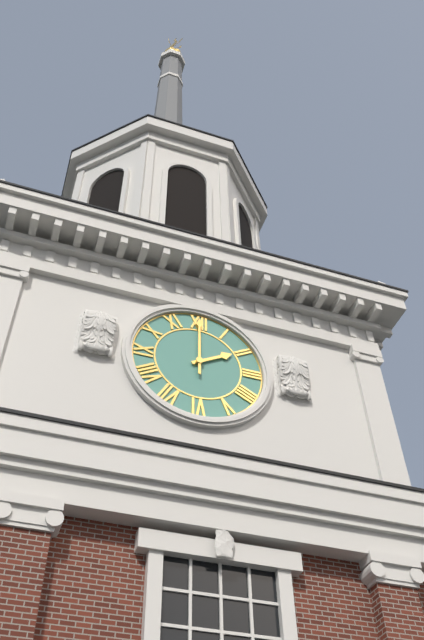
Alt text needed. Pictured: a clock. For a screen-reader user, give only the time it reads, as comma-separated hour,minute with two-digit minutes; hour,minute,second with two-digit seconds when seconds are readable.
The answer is 2,00
